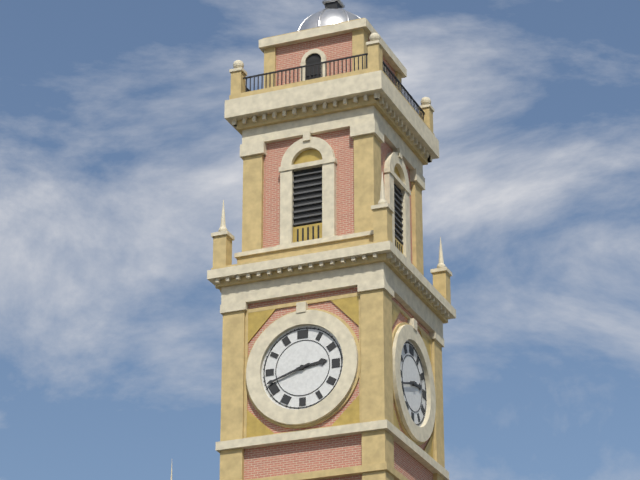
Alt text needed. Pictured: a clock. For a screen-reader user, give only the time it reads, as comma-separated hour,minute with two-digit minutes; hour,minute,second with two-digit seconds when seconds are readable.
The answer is 2,42
